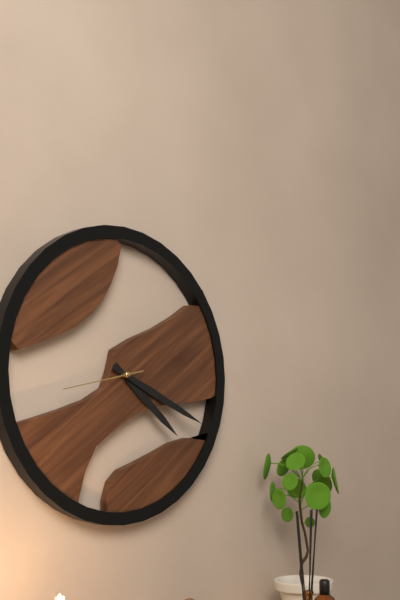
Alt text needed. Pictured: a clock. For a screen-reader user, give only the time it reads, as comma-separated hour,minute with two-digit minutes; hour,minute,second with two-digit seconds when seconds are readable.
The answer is 4,19,43
